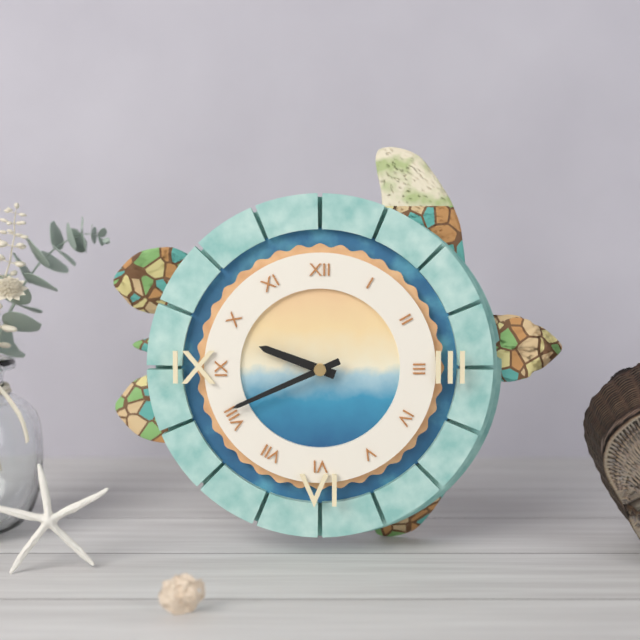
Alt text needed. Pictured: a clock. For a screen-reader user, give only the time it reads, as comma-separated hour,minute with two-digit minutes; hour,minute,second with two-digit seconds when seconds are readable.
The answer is 9,41
